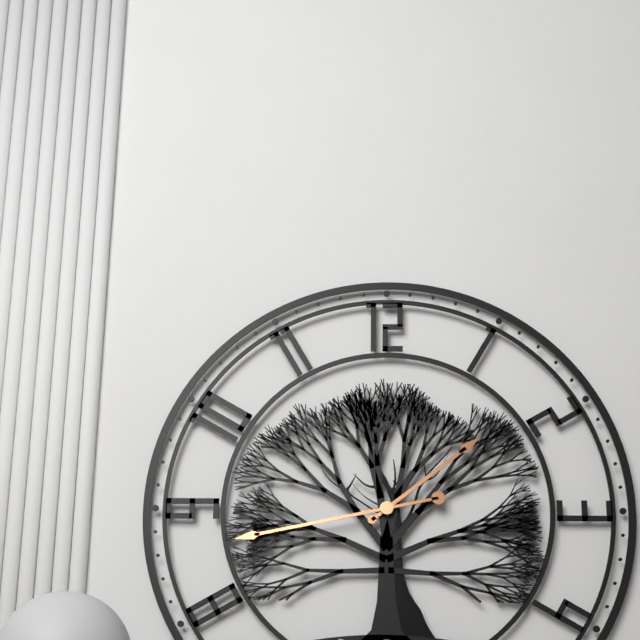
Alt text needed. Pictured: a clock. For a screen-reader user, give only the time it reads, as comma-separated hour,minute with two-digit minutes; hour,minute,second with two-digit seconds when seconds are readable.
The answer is 1,43
